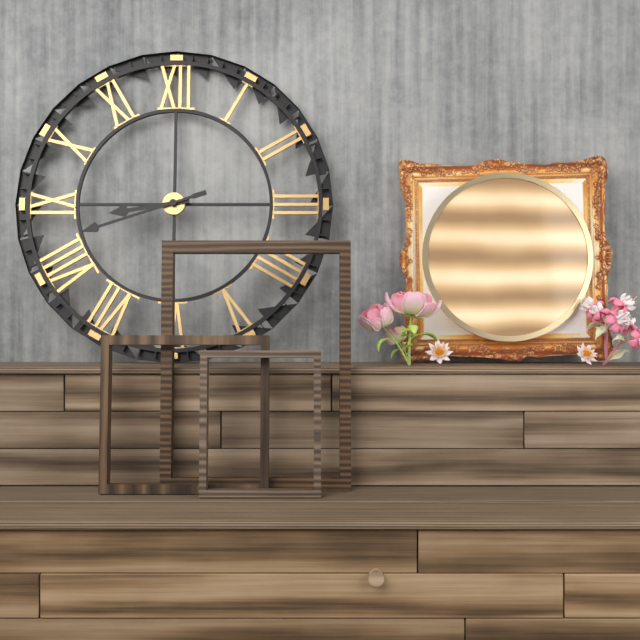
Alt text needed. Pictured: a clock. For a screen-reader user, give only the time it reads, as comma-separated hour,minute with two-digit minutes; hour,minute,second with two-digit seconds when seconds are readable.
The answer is 8,42
